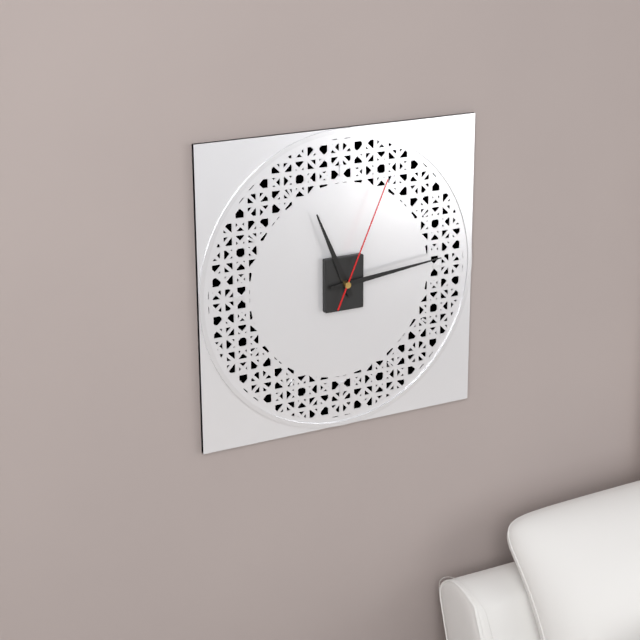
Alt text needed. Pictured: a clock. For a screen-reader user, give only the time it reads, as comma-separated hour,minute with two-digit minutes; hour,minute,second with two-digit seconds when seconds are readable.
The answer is 11,14,04
